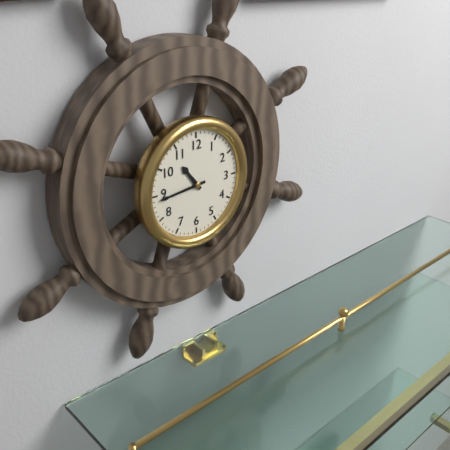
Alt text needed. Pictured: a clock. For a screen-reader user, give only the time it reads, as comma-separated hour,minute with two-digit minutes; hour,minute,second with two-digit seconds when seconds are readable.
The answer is 10,44
